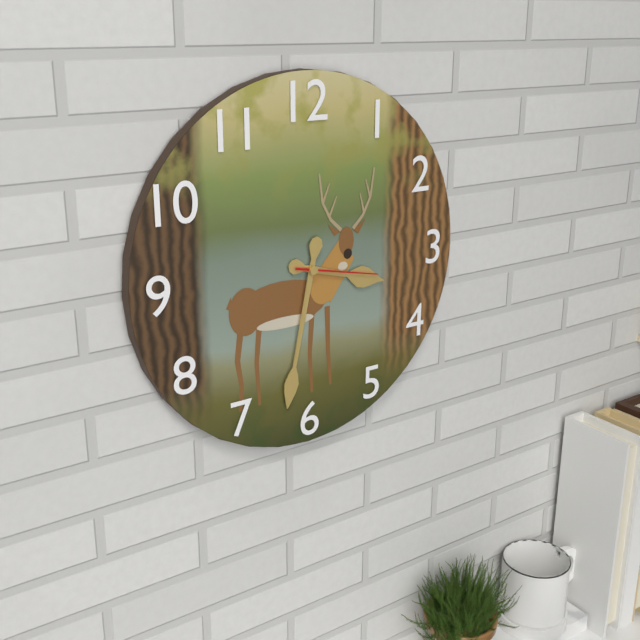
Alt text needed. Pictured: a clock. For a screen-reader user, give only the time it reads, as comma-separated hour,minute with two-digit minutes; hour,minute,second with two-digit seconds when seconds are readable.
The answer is 3,32,17
